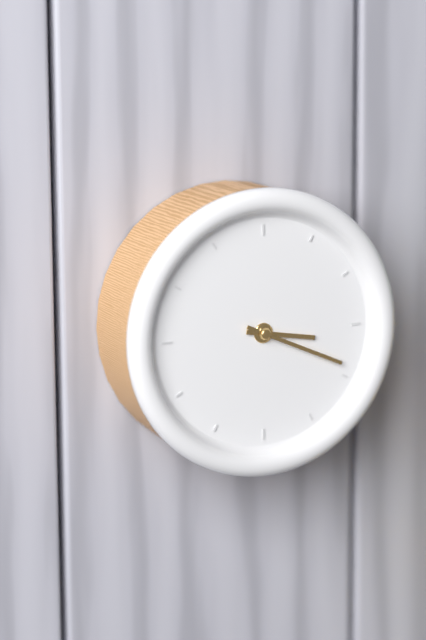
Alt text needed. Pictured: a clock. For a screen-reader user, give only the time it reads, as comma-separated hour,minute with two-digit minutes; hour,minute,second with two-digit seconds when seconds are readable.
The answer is 3,19
